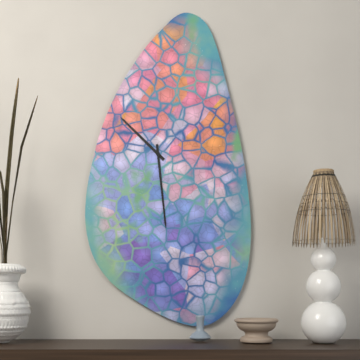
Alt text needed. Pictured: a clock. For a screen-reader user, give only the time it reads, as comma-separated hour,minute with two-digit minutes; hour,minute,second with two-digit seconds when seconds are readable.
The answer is 10,29
